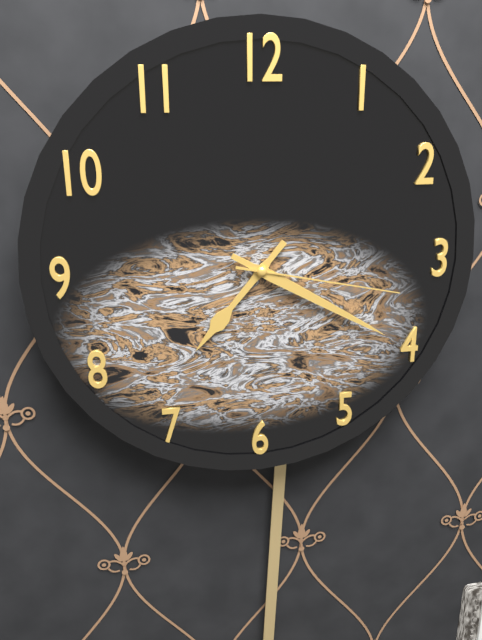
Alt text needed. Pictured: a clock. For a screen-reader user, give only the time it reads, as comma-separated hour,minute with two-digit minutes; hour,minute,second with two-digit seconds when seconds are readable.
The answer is 7,20,17
